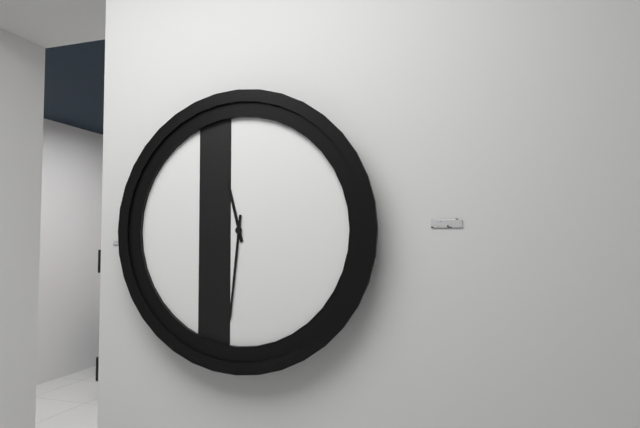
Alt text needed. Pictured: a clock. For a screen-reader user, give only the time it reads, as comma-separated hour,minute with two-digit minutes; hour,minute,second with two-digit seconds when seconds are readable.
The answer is 11,31
